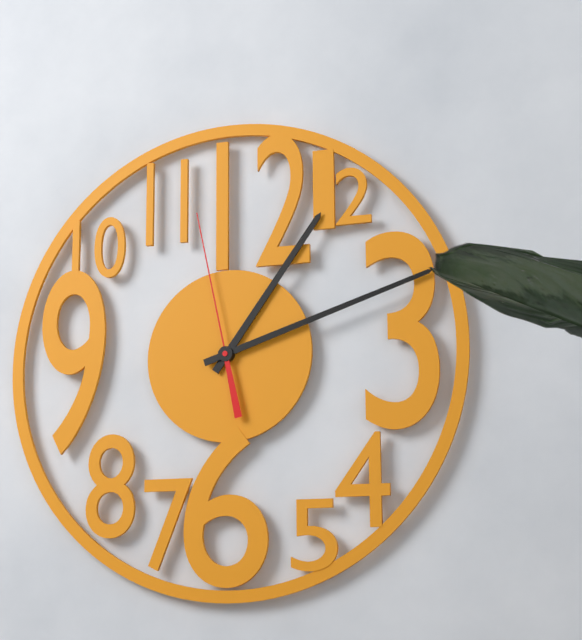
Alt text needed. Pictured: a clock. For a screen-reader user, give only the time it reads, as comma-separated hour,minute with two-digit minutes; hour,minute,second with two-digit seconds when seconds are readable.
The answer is 1,12,58
